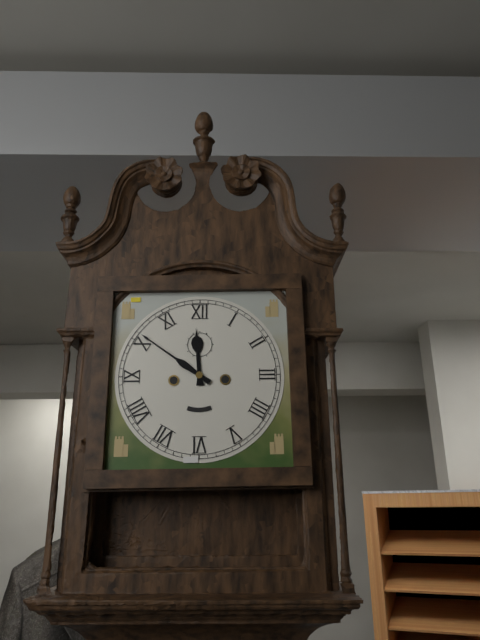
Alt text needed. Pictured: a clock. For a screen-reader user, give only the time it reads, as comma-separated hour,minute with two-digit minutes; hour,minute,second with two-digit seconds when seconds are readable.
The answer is 11,51
